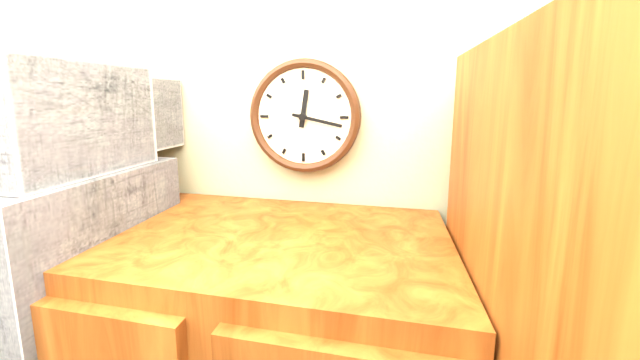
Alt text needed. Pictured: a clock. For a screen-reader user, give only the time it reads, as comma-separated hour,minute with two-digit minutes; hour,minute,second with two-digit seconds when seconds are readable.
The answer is 12,17
